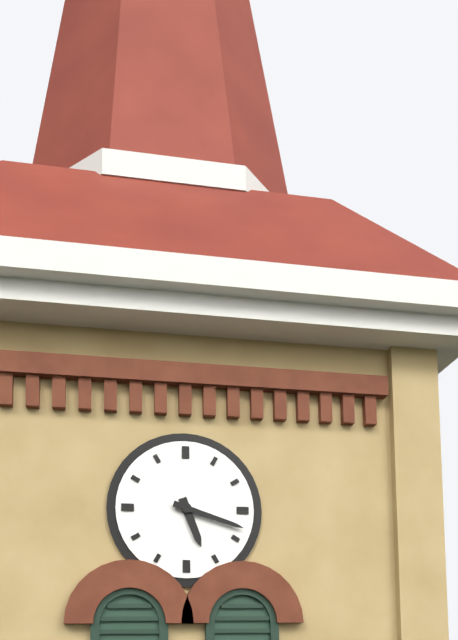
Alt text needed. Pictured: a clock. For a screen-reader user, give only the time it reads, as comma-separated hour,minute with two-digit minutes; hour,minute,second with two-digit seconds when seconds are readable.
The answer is 5,18
